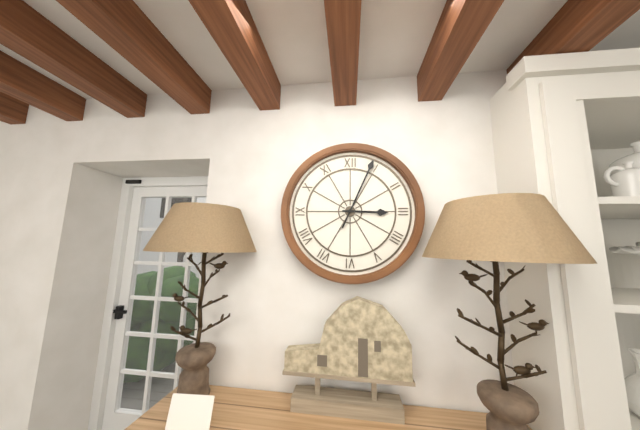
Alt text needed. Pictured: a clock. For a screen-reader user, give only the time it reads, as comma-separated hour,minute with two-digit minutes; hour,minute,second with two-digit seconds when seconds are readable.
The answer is 3,04
